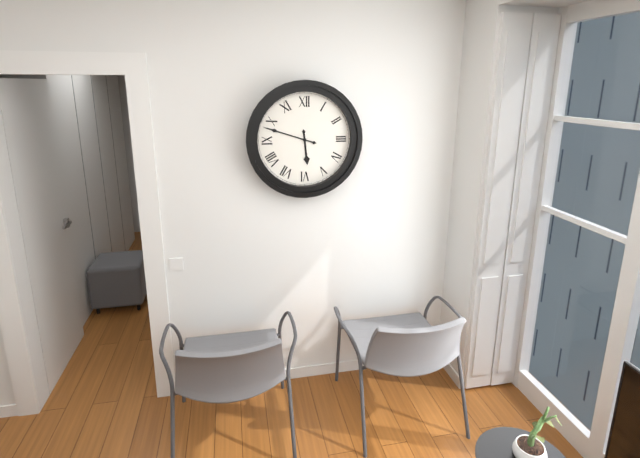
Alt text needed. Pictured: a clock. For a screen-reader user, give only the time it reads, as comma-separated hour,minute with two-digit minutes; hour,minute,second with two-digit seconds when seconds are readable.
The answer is 5,48
